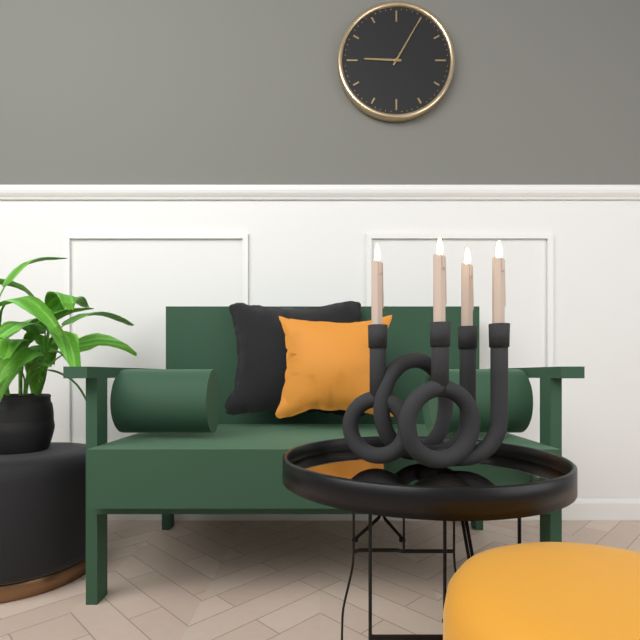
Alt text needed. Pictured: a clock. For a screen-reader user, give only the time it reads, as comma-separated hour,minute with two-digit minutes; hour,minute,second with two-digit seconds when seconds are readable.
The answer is 9,05
